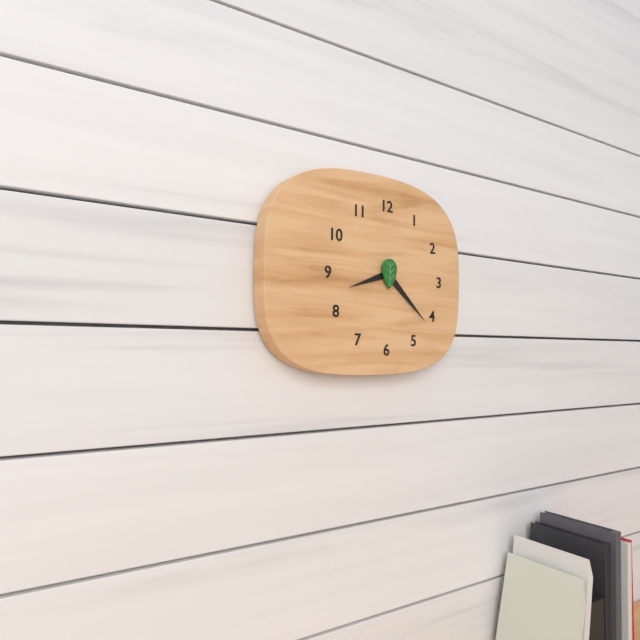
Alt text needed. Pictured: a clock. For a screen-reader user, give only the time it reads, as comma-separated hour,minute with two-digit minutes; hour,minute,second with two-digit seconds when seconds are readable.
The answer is 8,22
